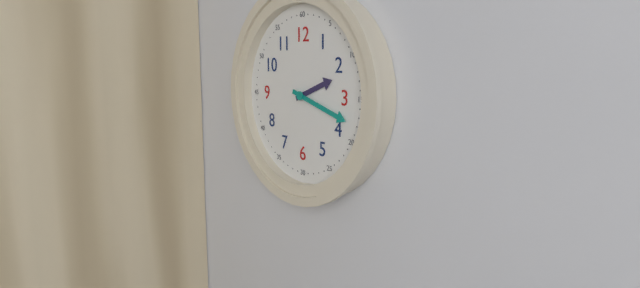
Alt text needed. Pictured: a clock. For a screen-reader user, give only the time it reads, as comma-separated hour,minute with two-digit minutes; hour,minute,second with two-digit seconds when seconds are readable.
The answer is 2,18
